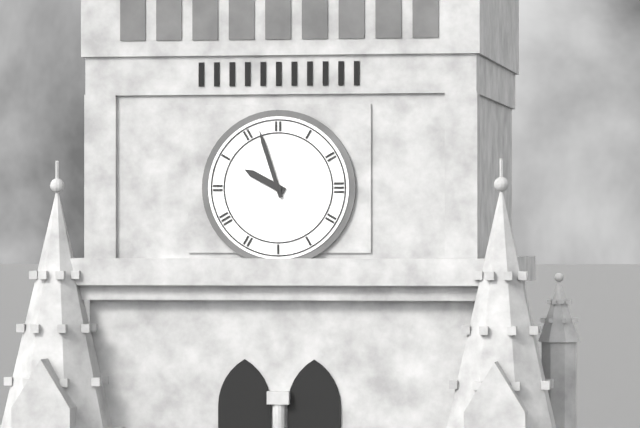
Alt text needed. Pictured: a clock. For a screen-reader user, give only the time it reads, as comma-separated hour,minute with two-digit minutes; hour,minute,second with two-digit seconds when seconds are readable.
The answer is 9,57
